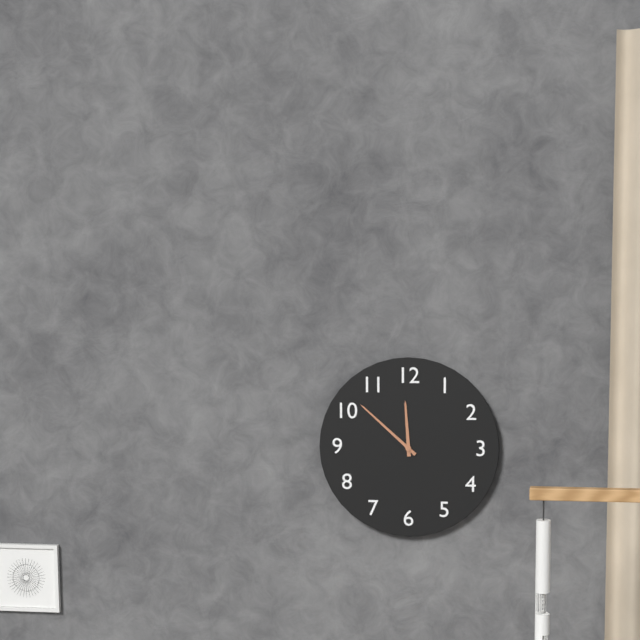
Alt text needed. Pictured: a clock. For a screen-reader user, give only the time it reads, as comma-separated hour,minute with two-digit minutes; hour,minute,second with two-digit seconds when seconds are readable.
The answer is 11,52
